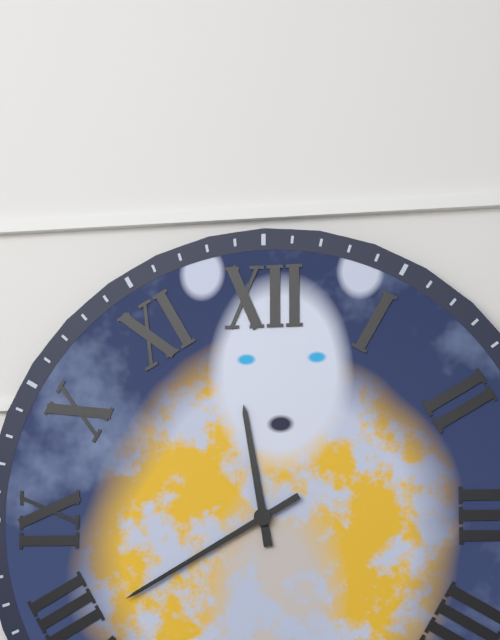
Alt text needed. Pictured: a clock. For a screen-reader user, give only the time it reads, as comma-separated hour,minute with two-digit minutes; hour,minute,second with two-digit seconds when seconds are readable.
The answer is 11,40
